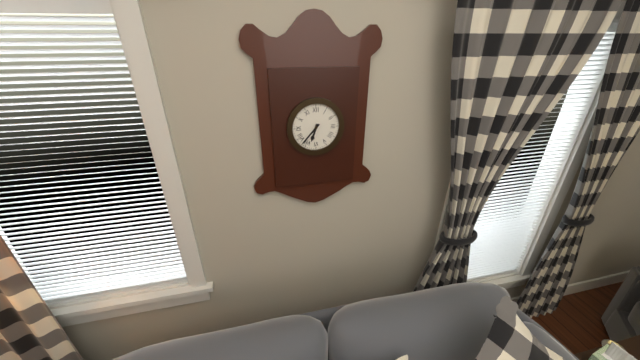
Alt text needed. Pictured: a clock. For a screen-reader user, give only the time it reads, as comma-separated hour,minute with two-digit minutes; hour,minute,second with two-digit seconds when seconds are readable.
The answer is 6,37
